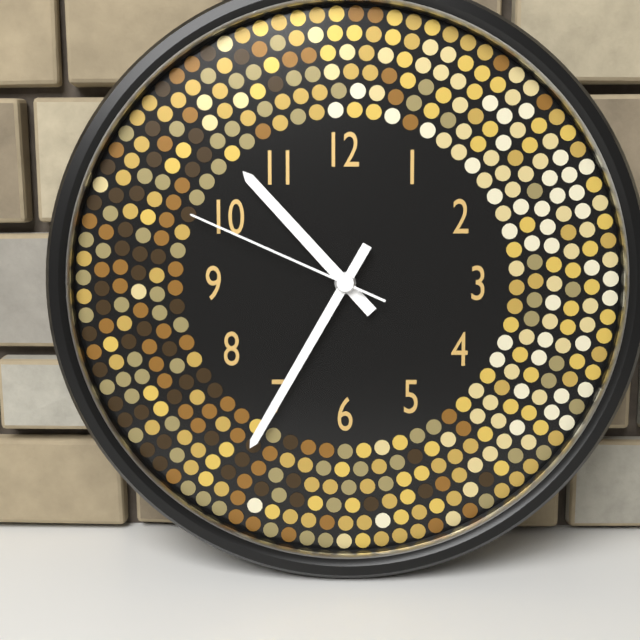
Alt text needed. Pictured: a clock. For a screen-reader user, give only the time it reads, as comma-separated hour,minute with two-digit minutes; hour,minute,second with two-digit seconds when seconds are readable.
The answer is 10,35,49
